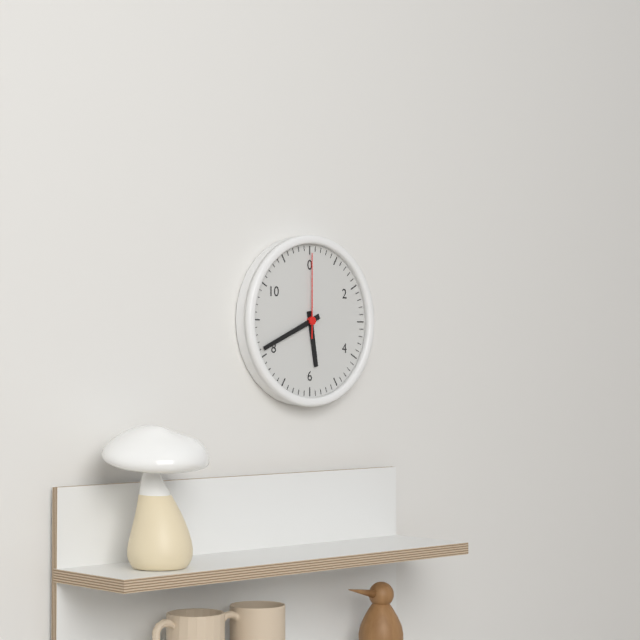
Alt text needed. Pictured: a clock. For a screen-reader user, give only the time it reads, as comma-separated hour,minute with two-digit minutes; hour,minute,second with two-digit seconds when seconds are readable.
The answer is 5,41,00
